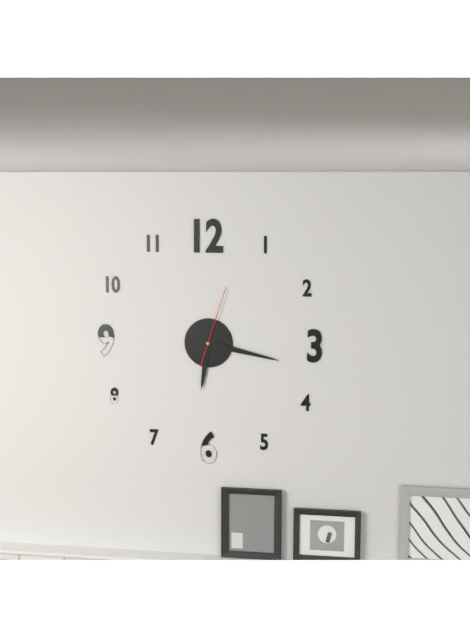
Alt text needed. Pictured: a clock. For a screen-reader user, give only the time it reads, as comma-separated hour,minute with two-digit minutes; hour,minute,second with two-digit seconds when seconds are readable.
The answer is 6,17,03
